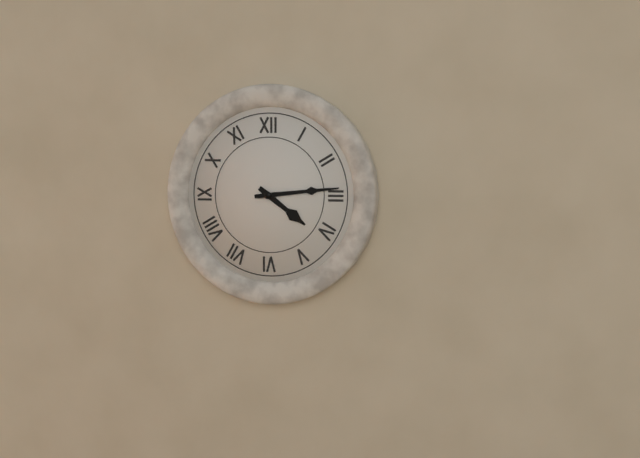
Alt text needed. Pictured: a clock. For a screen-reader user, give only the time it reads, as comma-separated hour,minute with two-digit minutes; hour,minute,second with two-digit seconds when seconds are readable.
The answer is 4,14
